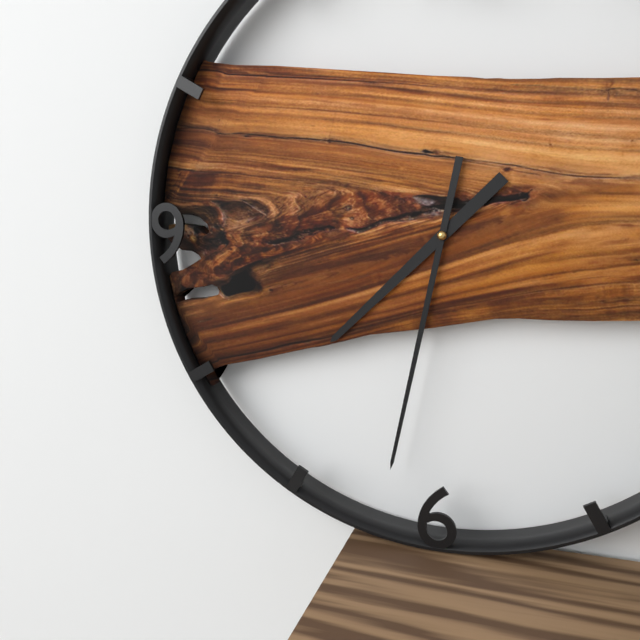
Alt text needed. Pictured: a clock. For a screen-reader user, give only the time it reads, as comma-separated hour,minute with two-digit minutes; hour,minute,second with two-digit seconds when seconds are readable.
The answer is 7,32
